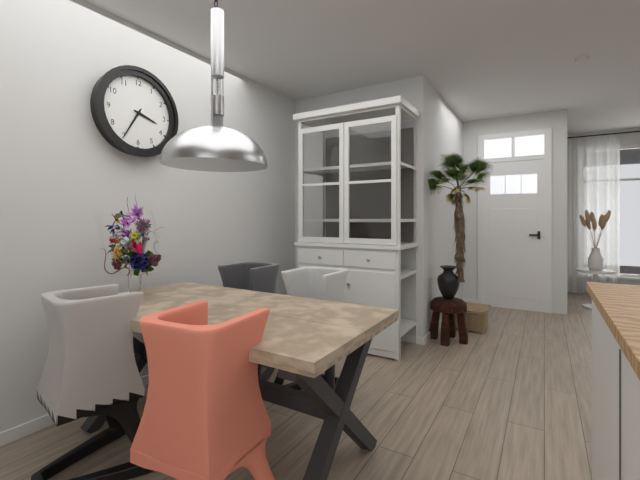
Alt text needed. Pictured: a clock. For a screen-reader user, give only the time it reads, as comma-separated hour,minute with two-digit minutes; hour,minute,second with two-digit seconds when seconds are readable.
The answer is 3,35
